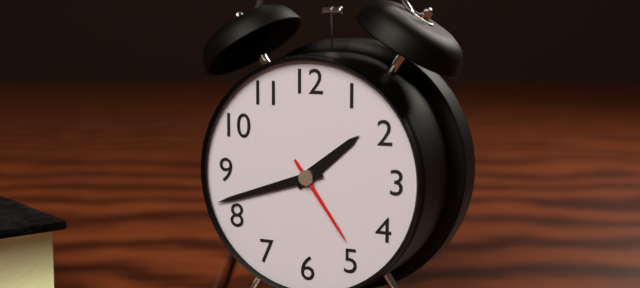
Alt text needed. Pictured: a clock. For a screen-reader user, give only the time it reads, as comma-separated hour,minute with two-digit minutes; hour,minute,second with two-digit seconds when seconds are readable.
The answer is 1,42,24
